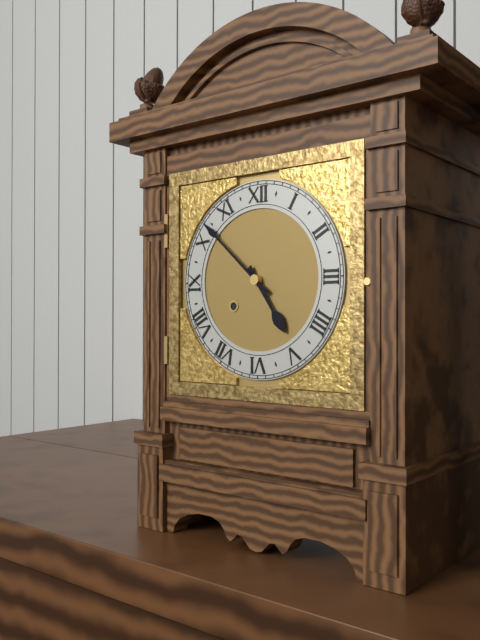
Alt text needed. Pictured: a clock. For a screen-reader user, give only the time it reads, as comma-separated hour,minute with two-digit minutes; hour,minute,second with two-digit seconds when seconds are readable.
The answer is 4,52
